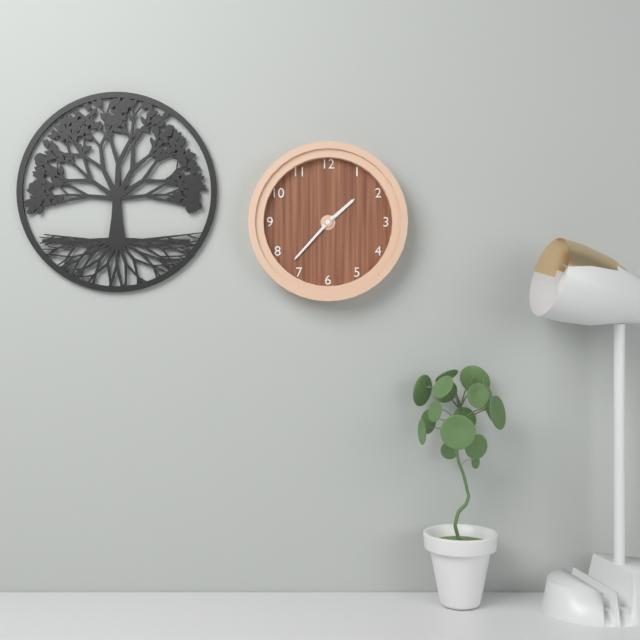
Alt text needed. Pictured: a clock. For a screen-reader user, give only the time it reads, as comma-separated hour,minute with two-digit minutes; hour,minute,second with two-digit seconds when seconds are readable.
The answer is 1,37
